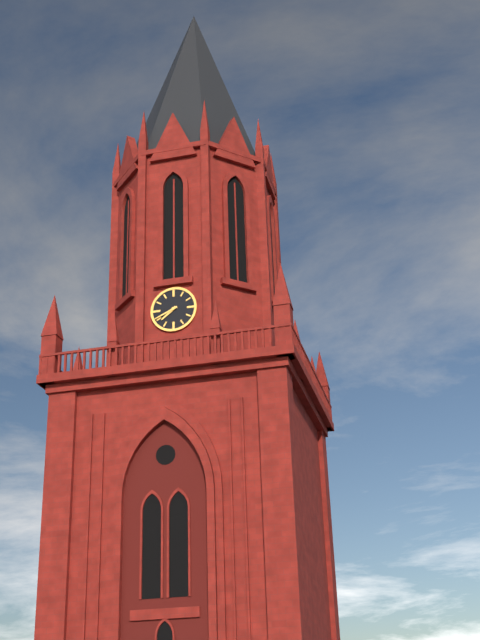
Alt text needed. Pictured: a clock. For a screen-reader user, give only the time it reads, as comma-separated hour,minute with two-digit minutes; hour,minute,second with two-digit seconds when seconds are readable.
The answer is 7,41
